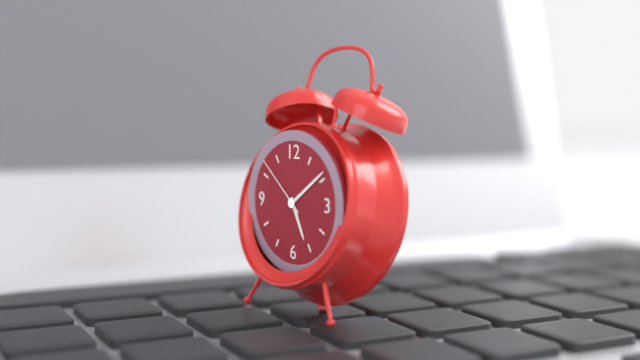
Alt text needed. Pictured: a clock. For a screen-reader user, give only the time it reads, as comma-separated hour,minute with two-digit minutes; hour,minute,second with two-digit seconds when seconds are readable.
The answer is 5,09,52
